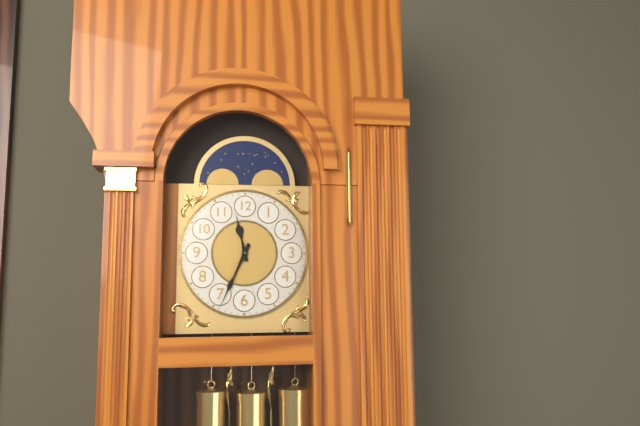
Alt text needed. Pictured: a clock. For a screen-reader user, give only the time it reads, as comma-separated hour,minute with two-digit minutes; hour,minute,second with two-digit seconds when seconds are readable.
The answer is 11,34
